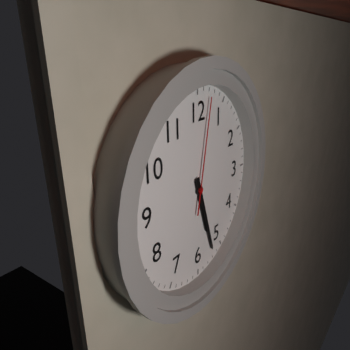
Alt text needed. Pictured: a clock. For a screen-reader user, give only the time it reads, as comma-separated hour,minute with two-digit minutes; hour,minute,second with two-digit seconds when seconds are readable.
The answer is 5,27,02
